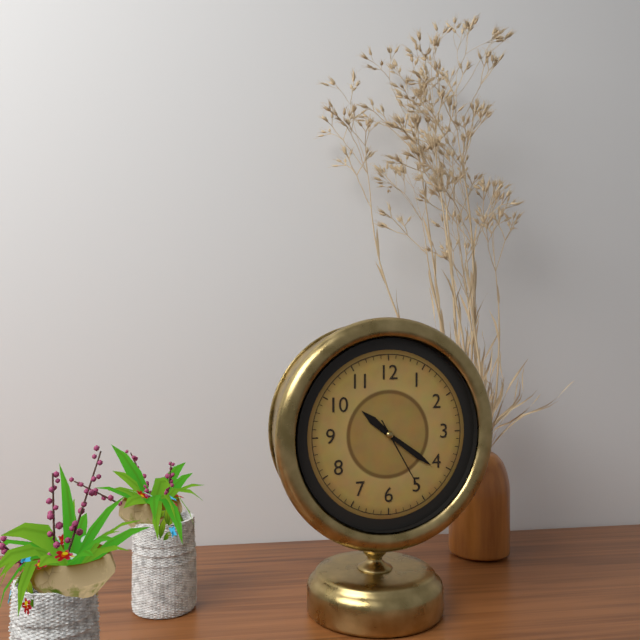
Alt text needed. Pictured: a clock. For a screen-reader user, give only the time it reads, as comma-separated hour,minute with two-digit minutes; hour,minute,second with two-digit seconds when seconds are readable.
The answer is 10,21,25
